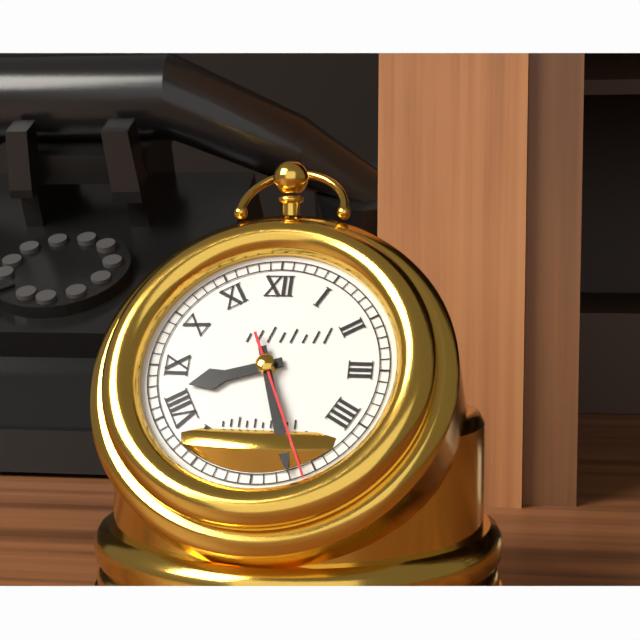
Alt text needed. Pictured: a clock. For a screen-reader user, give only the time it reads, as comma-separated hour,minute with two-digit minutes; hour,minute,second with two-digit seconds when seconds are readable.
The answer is 8,27,26
